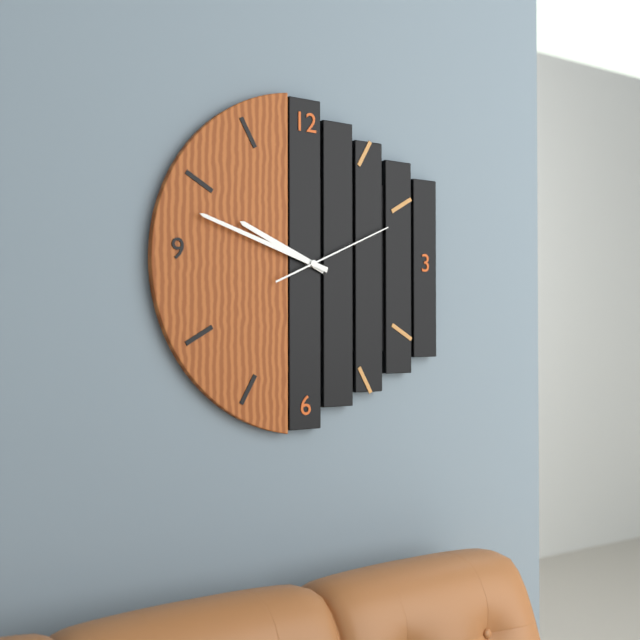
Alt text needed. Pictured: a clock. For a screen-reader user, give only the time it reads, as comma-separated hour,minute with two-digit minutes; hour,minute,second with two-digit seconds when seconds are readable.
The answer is 9,48,11
